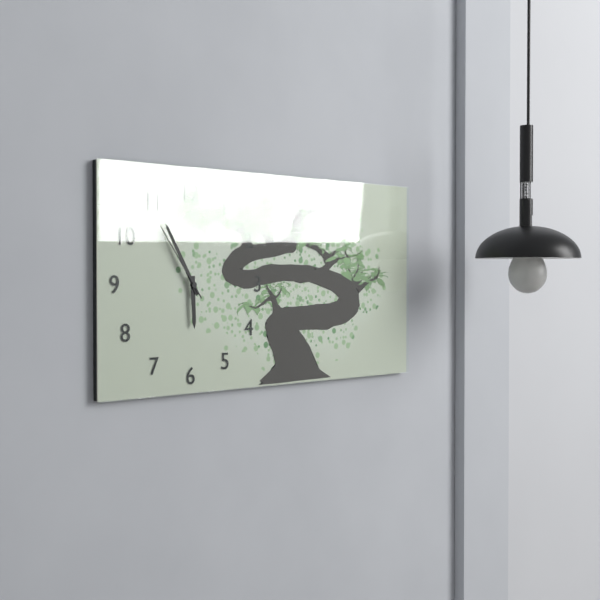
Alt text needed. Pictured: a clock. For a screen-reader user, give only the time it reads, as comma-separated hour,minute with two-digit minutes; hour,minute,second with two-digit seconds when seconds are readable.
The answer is 5,55,54
